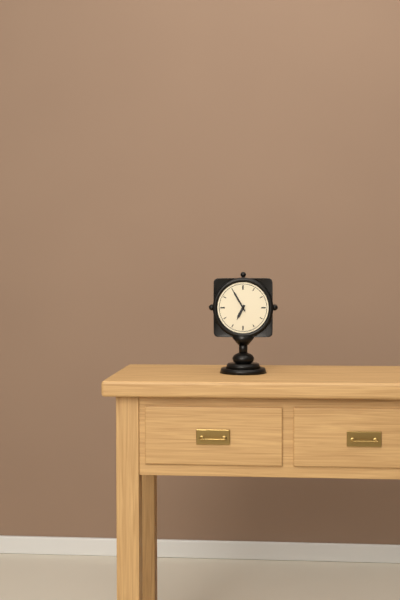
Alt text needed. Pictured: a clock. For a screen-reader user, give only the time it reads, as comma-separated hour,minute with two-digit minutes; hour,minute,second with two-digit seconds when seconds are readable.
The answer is 6,55
